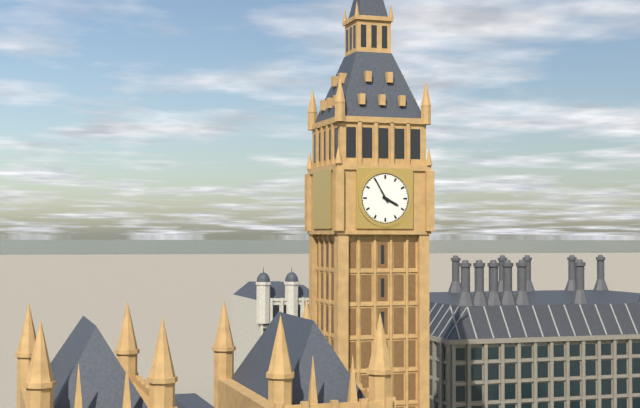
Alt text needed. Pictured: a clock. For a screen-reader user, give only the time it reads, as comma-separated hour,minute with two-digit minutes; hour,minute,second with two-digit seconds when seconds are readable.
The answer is 3,55
